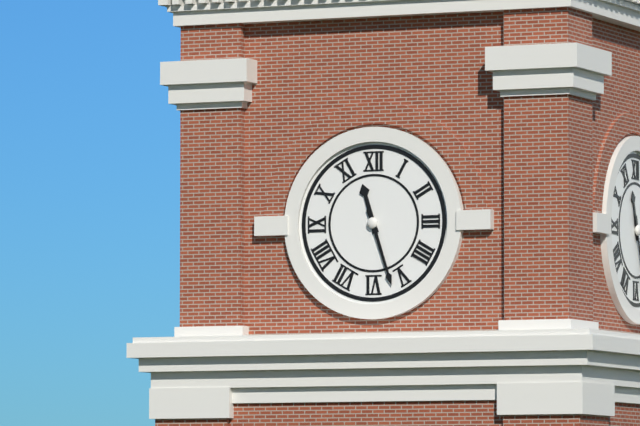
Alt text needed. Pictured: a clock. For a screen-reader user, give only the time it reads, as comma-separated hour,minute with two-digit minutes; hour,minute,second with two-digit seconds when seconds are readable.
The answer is 11,27
